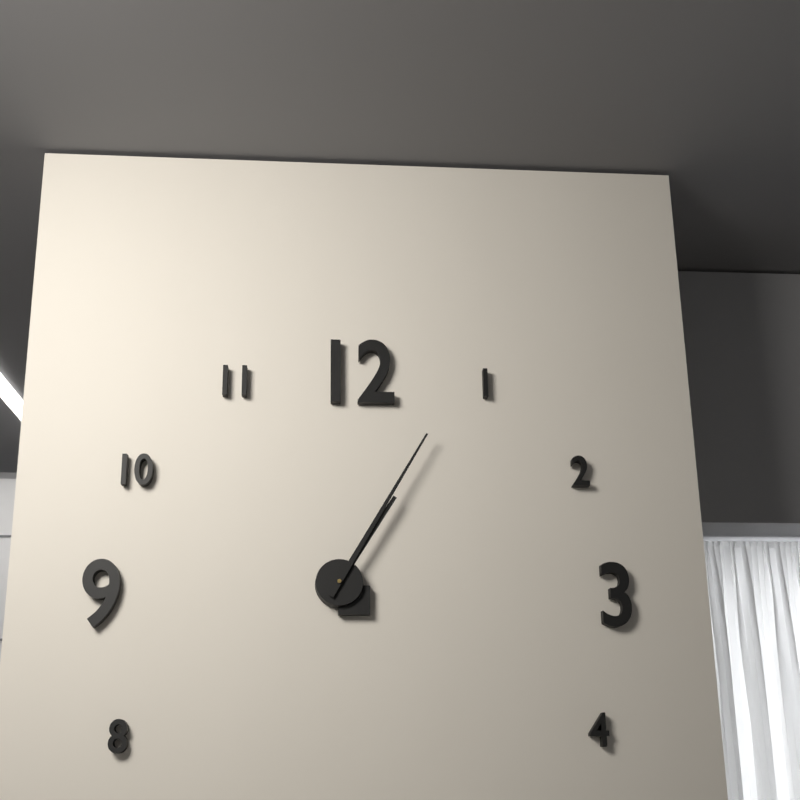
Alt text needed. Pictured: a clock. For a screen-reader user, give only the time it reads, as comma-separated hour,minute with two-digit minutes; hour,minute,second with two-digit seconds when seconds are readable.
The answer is 1,05
